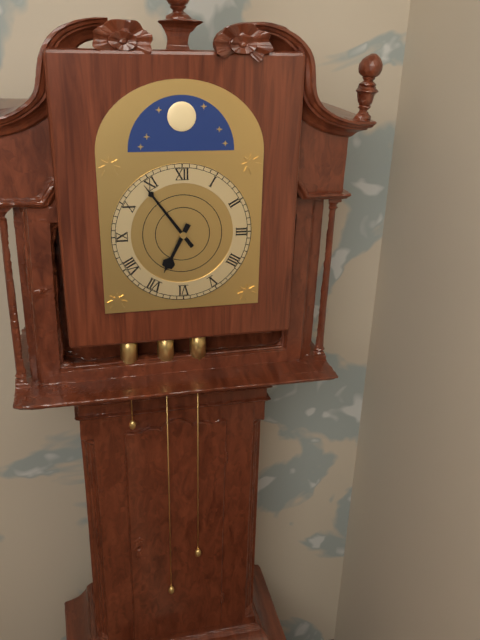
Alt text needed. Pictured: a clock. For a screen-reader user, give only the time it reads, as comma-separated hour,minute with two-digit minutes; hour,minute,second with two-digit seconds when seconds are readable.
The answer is 6,54
